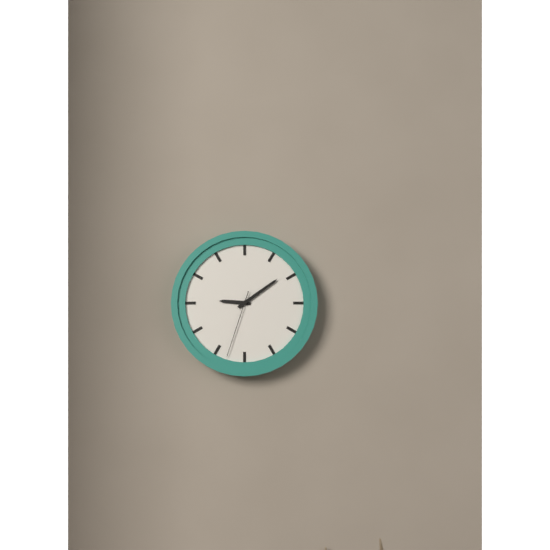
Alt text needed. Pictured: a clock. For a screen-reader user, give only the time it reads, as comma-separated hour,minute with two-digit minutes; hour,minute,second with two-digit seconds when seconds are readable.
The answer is 9,09,33
